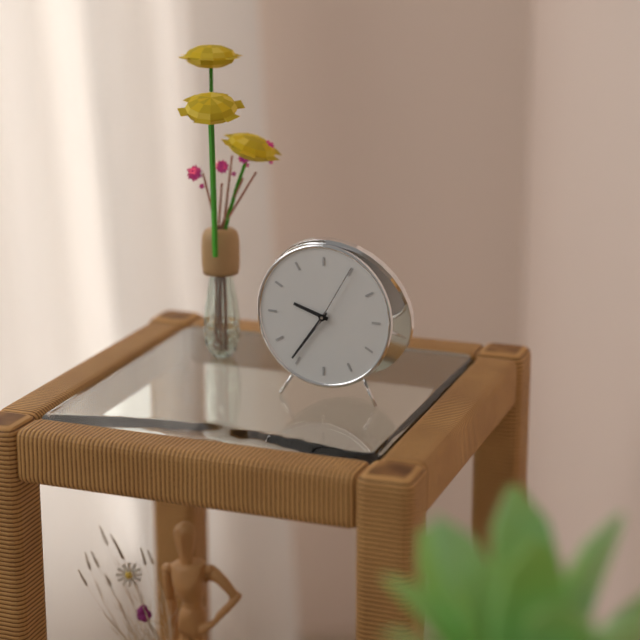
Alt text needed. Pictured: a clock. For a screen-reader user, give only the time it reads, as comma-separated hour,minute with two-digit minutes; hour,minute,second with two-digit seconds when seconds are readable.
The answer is 9,36,05
